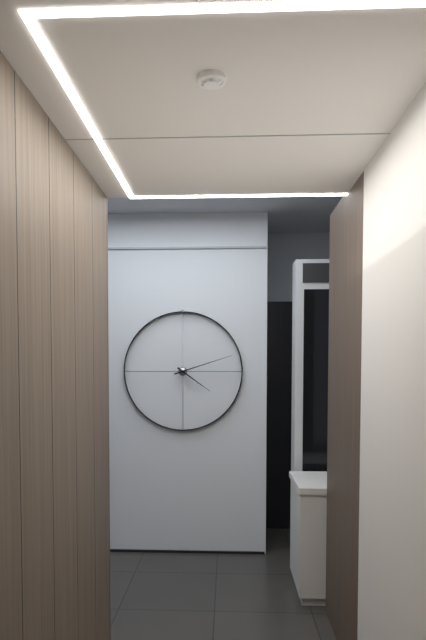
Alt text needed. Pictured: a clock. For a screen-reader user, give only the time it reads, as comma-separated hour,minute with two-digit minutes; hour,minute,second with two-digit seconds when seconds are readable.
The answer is 4,12
